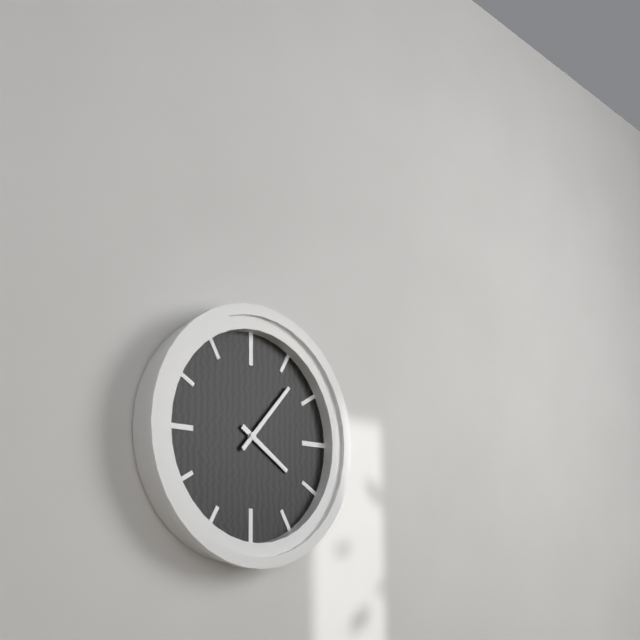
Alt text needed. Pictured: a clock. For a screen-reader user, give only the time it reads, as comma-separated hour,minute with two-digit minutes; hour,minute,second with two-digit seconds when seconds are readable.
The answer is 4,07
